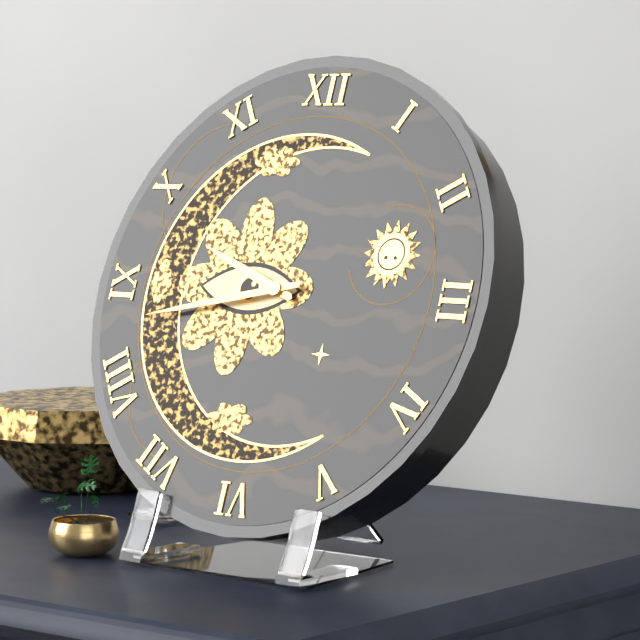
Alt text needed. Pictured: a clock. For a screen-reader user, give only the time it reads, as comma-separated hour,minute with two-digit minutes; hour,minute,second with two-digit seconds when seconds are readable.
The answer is 9,43
